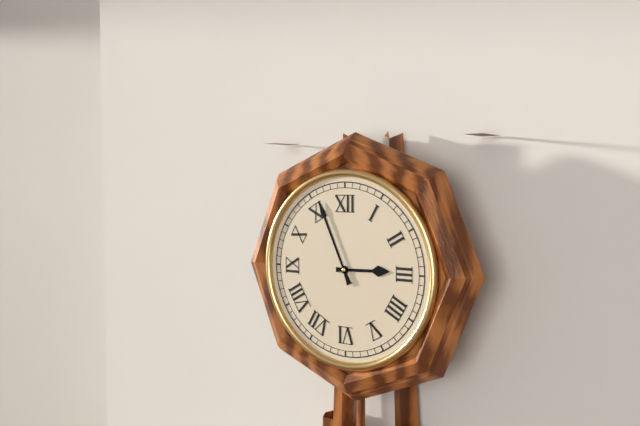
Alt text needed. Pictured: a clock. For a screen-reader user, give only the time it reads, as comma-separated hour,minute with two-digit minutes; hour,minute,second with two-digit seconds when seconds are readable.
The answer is 2,56
